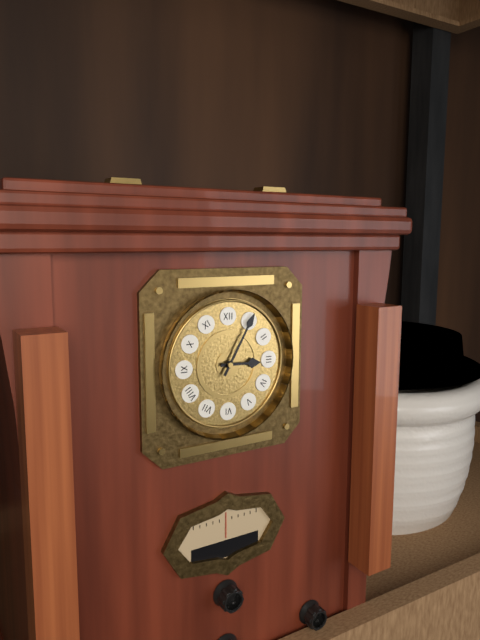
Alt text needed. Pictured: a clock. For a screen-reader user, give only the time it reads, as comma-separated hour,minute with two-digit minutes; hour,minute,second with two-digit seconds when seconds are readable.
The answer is 3,05
